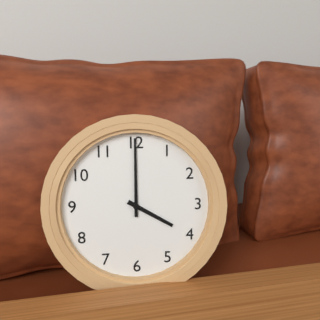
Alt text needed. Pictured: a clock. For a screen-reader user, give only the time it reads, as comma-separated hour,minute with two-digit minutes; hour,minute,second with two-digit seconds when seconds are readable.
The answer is 4,00
